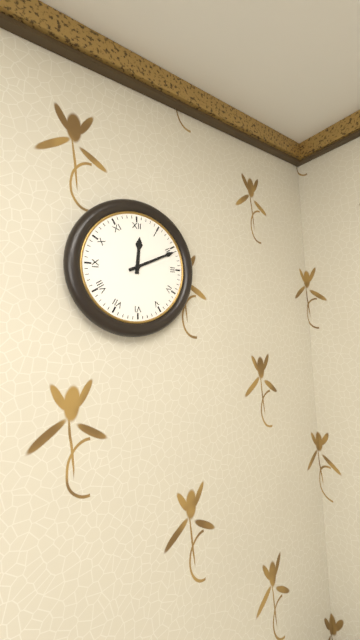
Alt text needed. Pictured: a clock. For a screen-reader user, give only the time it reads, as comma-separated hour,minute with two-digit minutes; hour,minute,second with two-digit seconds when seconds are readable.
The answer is 12,11
